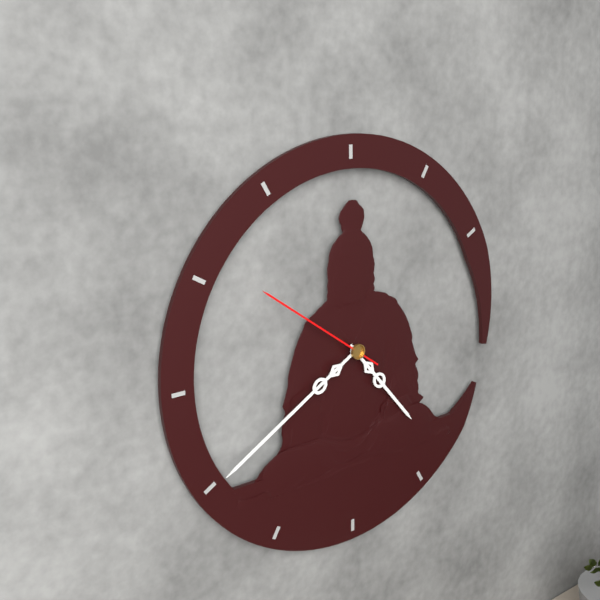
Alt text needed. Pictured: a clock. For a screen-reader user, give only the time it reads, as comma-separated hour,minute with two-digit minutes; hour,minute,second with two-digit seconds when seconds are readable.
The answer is 4,40,51
